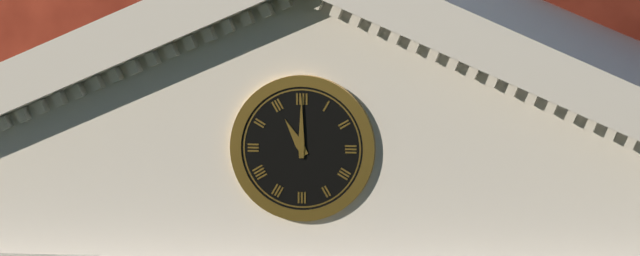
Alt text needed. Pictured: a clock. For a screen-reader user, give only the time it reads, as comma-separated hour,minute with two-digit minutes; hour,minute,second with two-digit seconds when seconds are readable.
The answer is 11,00
